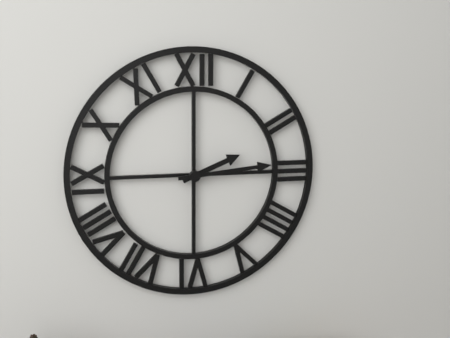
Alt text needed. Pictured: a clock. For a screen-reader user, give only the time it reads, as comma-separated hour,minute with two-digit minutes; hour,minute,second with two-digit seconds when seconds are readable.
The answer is 2,14
